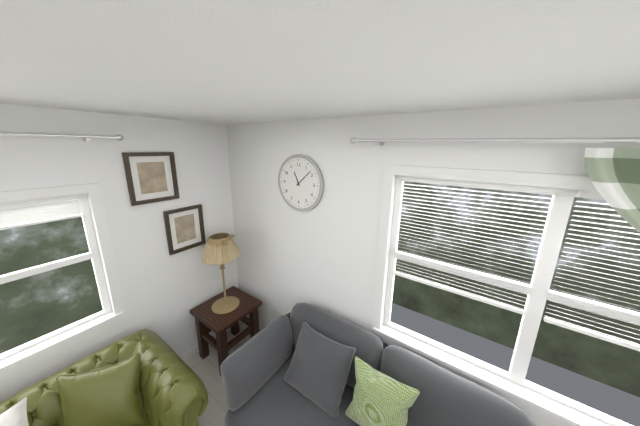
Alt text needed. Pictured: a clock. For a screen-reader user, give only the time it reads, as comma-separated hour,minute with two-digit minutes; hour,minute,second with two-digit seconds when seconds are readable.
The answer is 11,08
